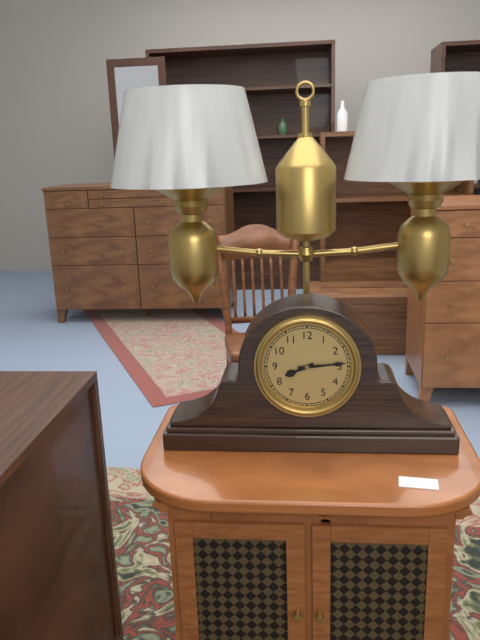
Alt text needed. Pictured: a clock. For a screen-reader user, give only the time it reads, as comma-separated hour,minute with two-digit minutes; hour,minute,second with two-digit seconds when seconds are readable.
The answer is 8,14
